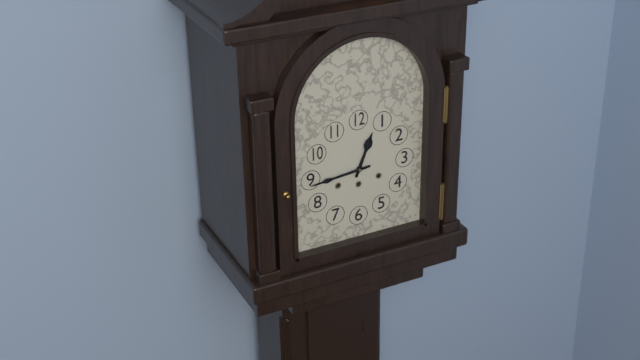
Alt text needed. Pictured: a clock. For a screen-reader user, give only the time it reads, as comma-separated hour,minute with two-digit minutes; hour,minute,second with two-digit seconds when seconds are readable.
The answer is 12,44
